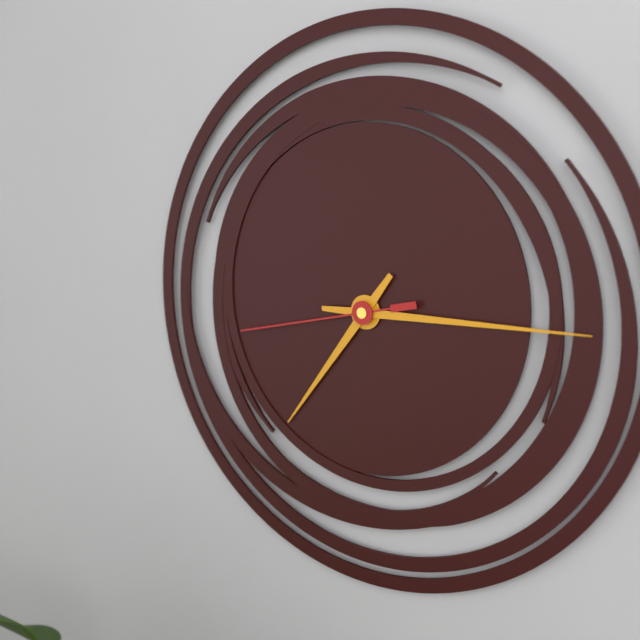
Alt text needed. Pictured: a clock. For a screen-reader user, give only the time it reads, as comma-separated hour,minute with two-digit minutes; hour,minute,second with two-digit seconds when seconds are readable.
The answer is 7,15,43
